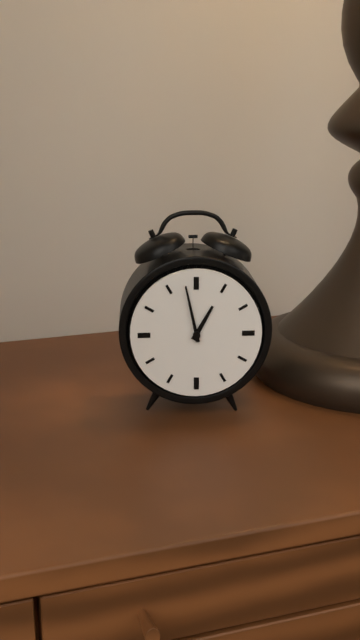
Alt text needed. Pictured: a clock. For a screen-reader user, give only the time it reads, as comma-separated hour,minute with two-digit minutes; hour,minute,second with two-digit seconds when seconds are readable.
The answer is 12,58
